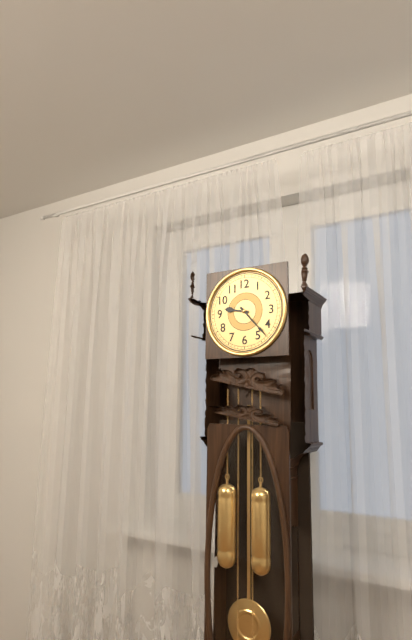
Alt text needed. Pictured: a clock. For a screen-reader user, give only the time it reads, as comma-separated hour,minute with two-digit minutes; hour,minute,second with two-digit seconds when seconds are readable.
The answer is 9,23
